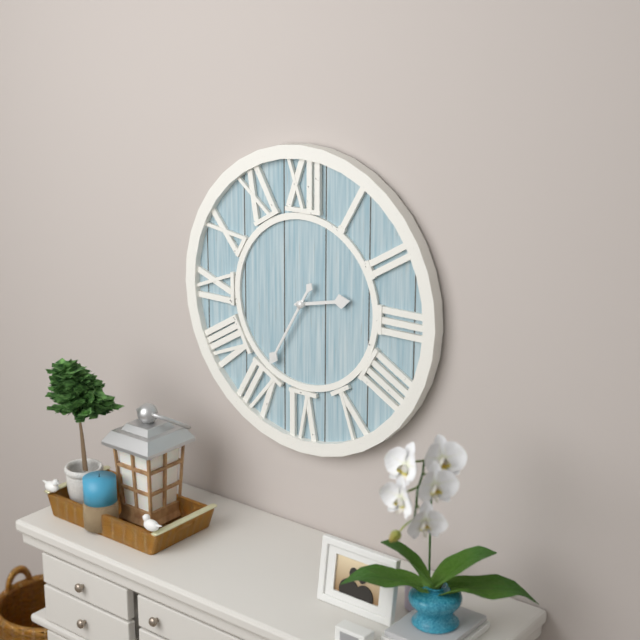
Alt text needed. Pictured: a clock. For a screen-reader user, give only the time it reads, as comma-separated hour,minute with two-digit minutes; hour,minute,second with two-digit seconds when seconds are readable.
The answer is 2,35
